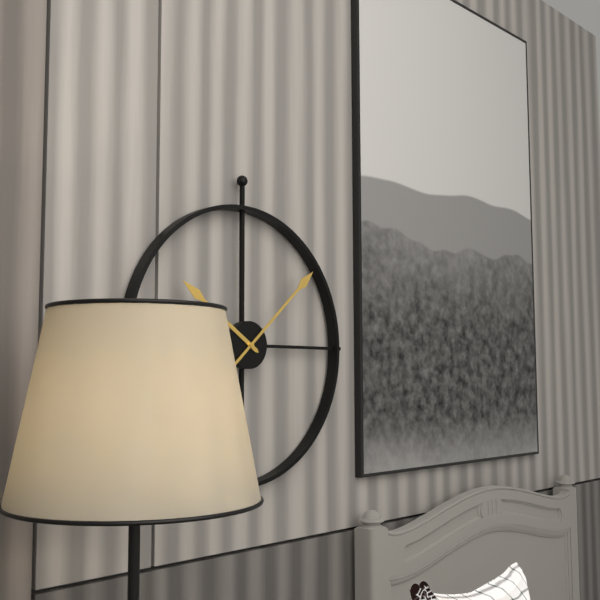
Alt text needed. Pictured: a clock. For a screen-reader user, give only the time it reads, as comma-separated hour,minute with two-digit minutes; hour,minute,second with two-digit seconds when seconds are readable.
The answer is 10,08
